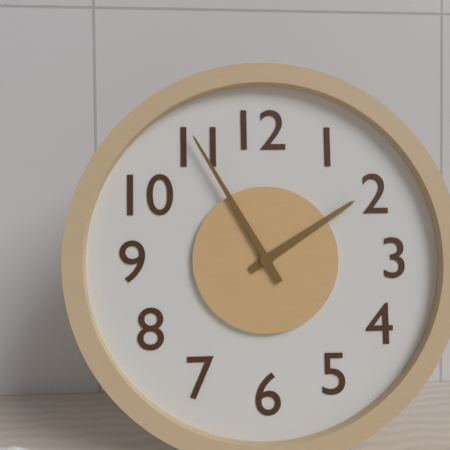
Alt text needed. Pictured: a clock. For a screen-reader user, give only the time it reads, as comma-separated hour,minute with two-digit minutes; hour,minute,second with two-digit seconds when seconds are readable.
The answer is 1,55
